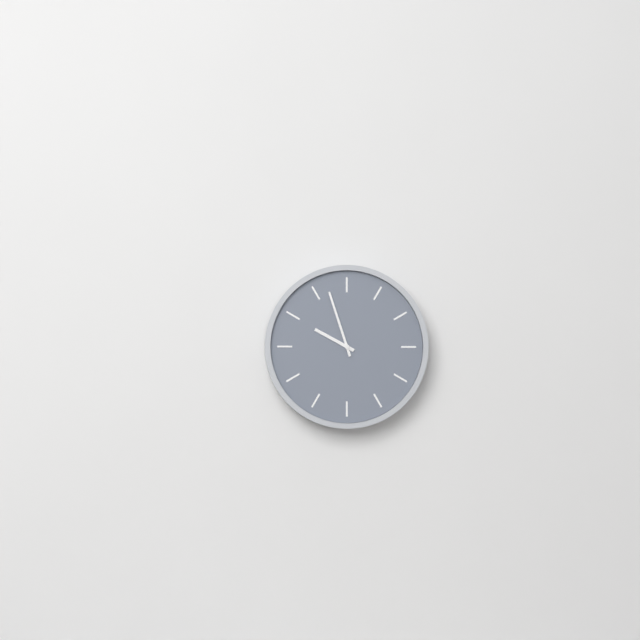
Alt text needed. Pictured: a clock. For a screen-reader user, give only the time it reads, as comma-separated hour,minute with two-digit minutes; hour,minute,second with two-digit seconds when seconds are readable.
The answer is 9,57
